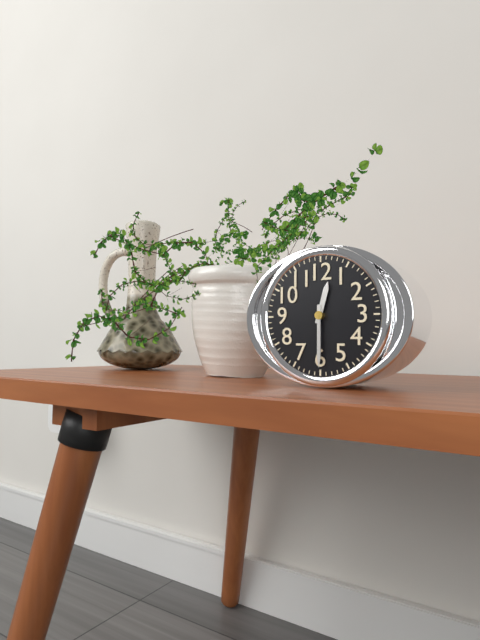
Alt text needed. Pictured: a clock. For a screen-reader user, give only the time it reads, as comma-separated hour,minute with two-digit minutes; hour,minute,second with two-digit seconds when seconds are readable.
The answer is 12,30
